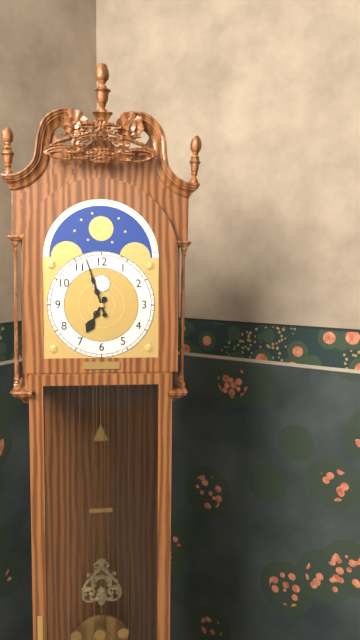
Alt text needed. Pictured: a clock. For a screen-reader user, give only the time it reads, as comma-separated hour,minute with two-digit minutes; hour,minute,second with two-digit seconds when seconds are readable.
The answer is 6,57
